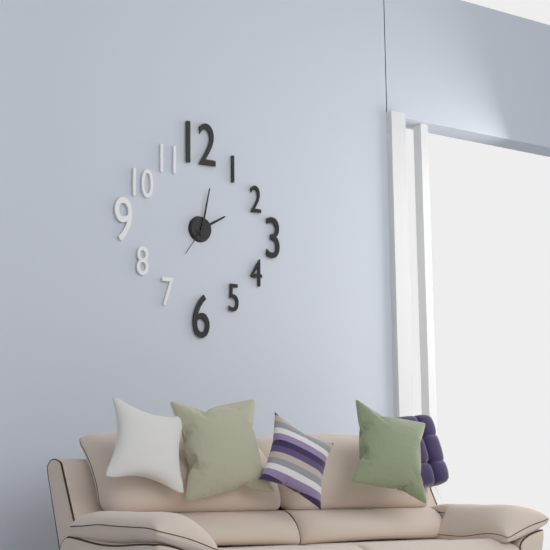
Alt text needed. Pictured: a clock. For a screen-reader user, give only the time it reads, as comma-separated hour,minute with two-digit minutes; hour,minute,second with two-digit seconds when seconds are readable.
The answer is 2,02
